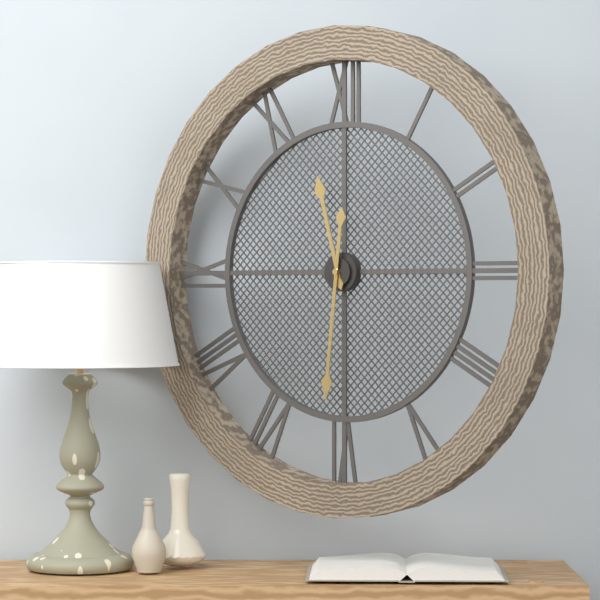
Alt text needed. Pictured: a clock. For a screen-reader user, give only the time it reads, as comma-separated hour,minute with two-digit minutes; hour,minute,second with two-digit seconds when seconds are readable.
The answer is 11,31
